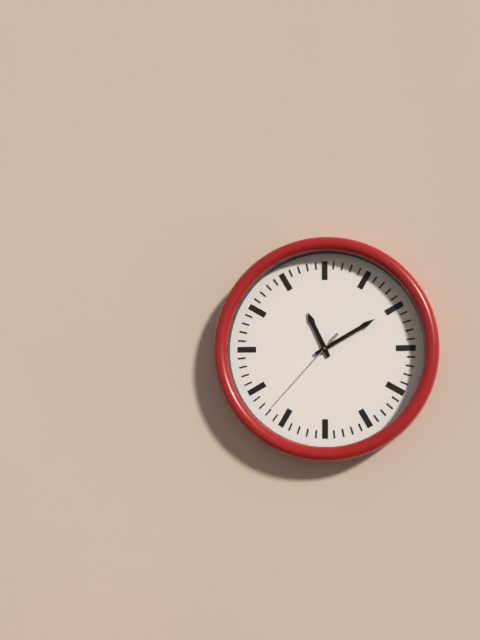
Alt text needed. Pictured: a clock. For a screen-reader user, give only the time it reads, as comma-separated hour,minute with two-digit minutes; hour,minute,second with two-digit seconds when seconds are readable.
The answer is 11,10,37
